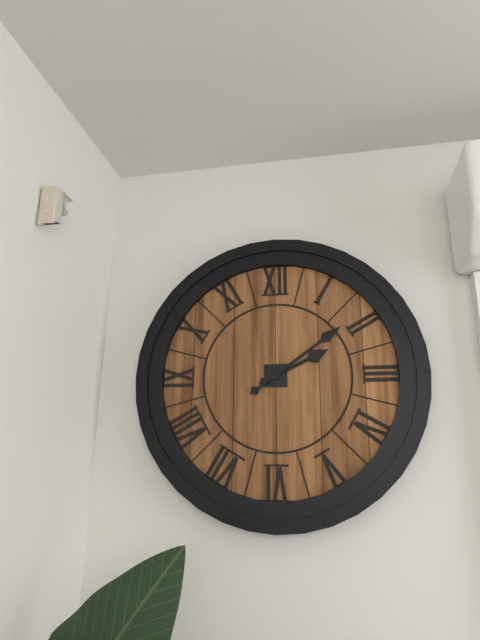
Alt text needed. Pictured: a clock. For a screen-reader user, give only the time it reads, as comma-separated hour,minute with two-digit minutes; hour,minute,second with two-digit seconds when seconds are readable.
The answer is 2,09
